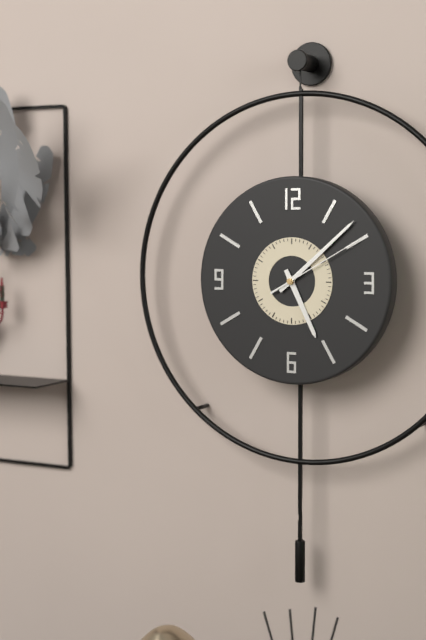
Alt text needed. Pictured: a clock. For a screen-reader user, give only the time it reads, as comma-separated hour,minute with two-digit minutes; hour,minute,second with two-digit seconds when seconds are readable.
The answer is 5,08,10
